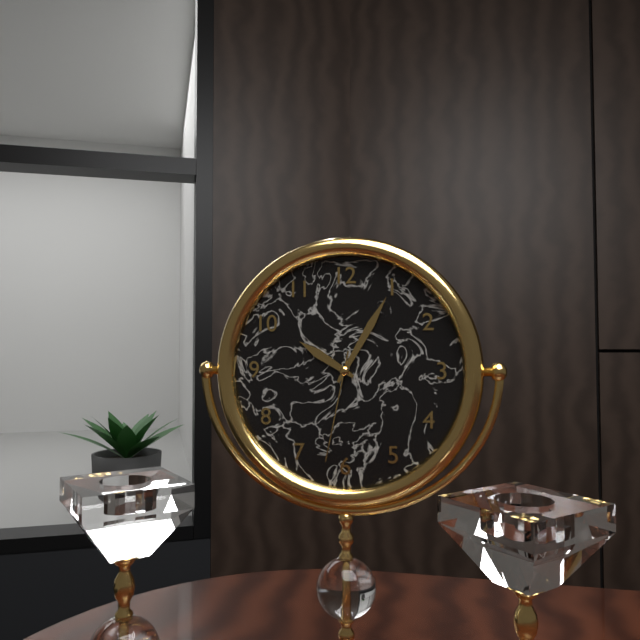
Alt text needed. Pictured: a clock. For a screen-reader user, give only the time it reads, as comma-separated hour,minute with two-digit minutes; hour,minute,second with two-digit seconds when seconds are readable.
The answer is 10,05,32
